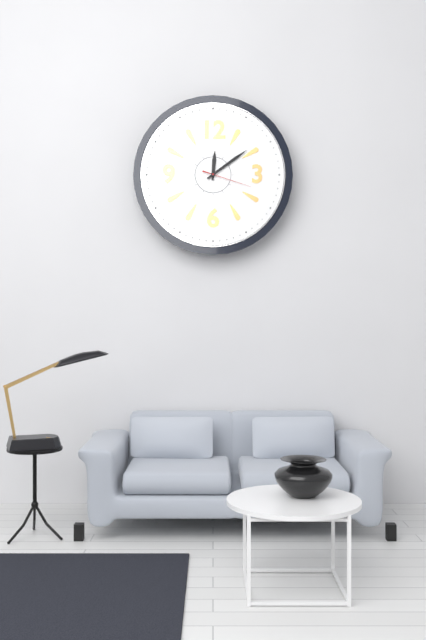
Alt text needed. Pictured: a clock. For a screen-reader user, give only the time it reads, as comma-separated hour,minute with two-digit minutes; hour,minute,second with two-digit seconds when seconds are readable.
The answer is 12,09
